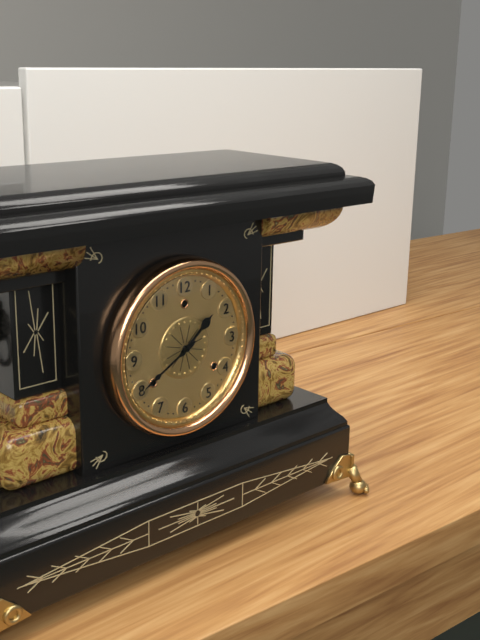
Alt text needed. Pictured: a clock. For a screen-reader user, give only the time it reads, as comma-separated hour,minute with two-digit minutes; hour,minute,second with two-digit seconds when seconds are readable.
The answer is 1,40
